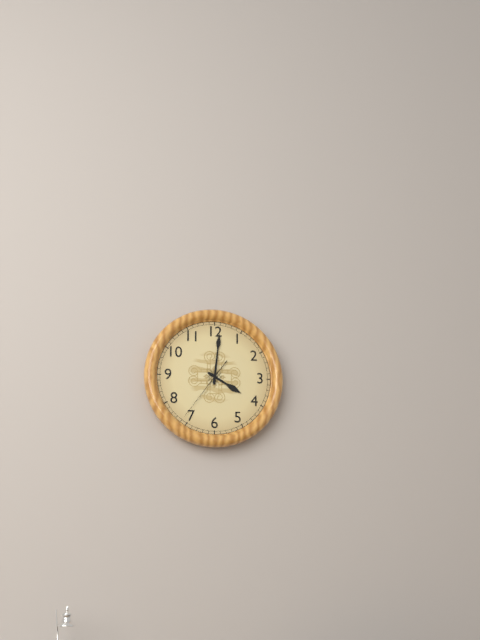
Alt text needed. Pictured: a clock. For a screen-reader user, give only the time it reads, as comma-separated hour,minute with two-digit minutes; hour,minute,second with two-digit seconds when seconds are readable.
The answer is 4,01,36
